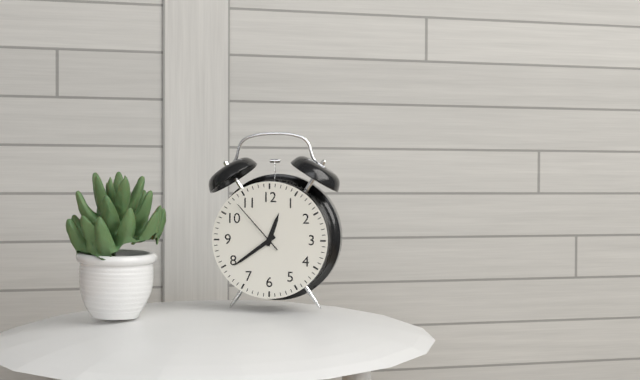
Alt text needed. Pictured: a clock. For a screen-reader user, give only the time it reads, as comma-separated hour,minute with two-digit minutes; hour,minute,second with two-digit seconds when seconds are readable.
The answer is 12,39,53
